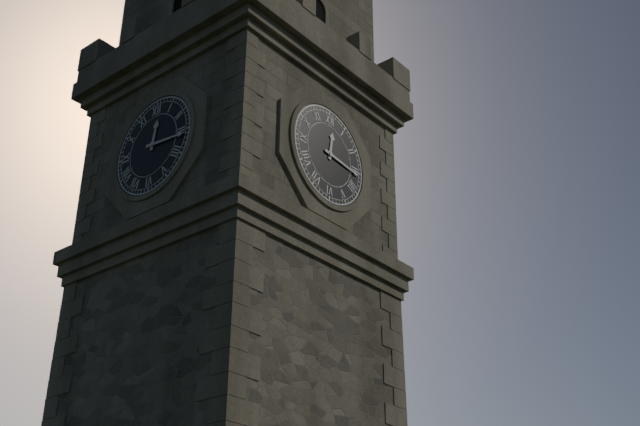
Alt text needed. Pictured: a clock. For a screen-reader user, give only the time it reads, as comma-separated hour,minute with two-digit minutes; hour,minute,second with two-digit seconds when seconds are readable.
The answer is 12,16
